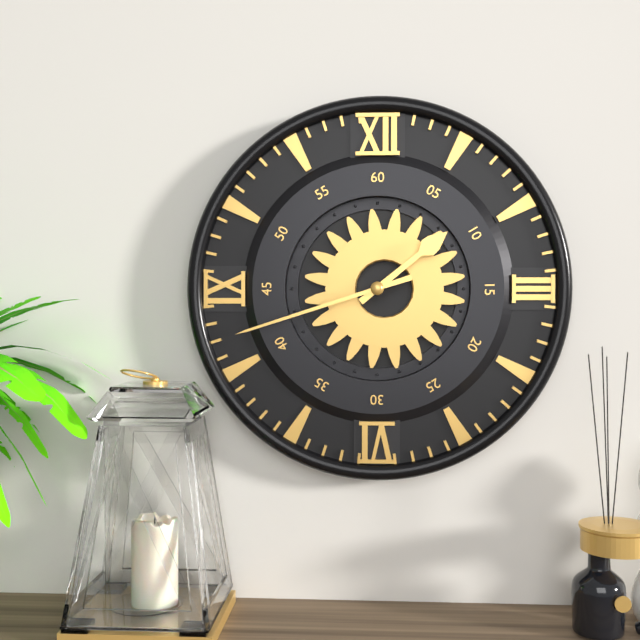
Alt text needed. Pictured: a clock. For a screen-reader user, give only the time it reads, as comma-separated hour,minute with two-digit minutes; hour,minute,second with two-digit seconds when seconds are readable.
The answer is 1,42
